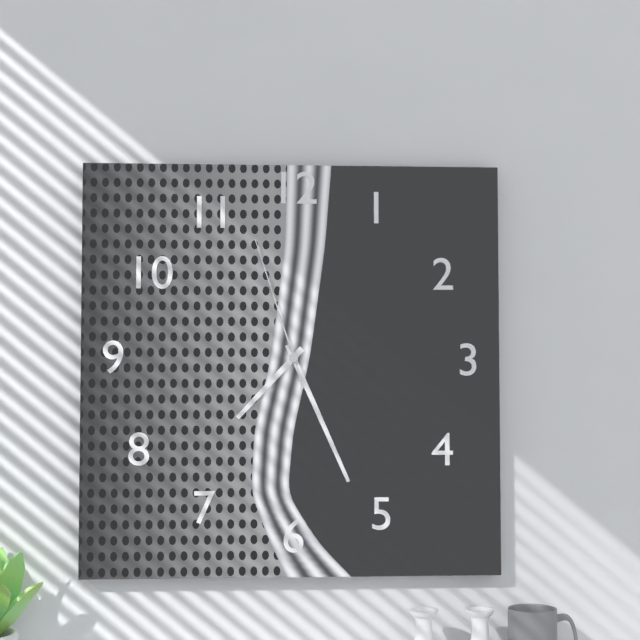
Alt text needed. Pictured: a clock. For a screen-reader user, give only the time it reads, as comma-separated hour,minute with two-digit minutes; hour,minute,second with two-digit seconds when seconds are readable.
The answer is 7,26,57
